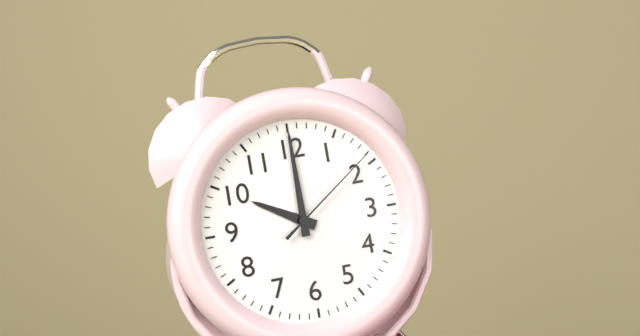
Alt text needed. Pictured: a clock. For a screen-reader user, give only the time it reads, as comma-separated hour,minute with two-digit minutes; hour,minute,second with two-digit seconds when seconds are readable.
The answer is 10,00,09
